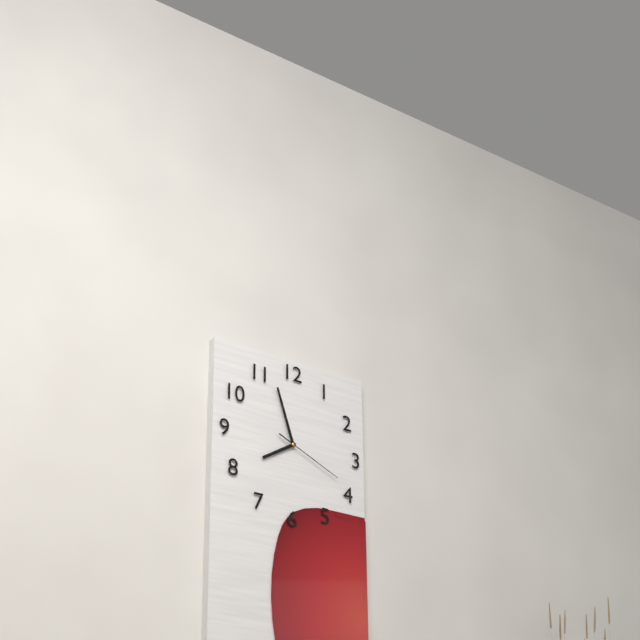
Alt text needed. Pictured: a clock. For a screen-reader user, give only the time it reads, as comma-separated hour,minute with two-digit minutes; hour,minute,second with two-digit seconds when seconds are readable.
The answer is 7,57,19
